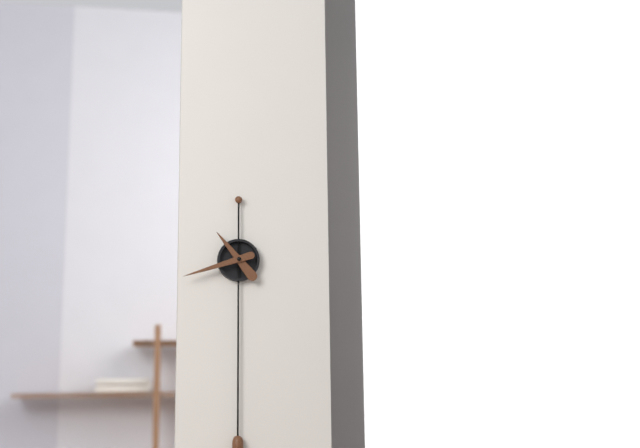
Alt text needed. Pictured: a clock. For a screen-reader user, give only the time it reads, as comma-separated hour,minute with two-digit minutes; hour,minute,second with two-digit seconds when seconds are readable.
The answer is 10,42
